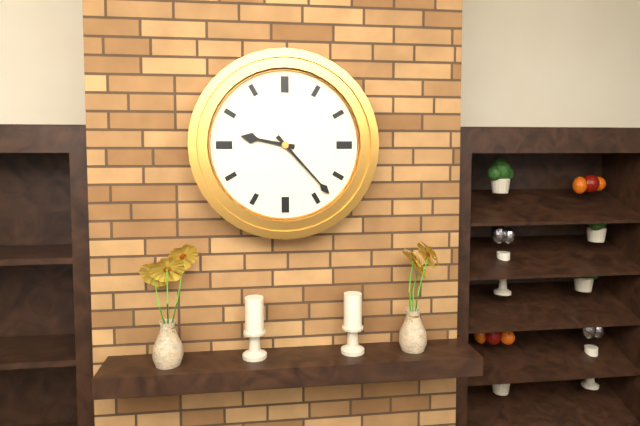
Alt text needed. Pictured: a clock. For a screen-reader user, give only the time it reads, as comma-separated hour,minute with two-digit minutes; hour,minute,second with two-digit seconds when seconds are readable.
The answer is 9,23
